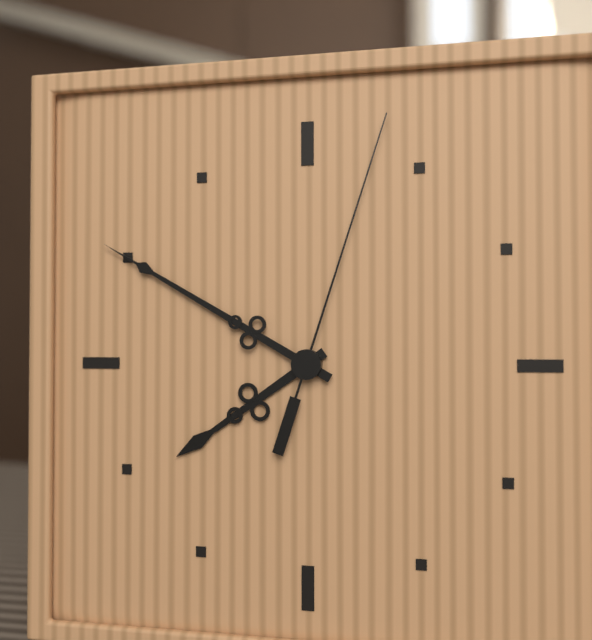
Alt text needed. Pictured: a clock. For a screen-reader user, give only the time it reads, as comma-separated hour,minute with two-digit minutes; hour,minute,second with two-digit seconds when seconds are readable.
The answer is 7,50,03
